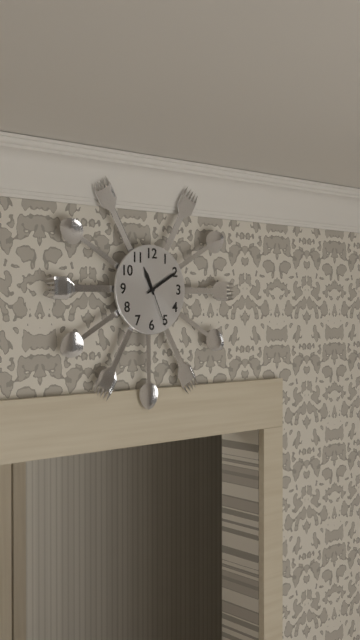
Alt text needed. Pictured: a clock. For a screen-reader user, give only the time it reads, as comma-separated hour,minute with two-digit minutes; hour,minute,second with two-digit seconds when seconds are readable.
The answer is 11,10
